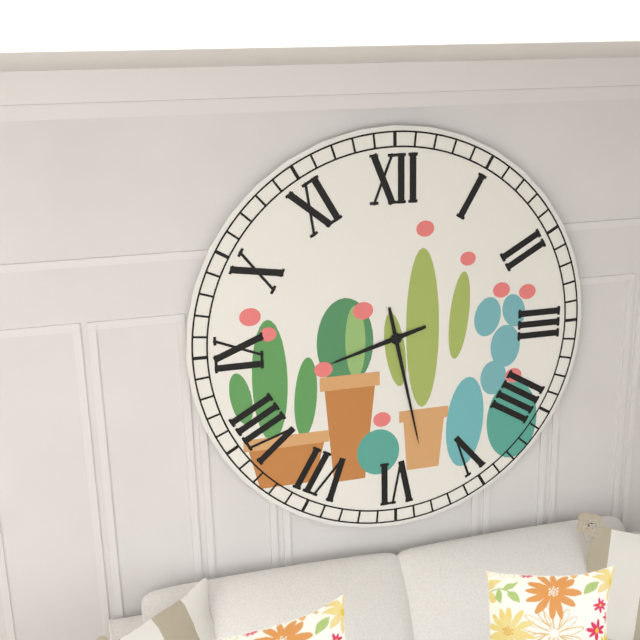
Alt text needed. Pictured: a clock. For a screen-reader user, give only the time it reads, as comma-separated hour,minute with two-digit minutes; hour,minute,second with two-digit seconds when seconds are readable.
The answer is 8,28
